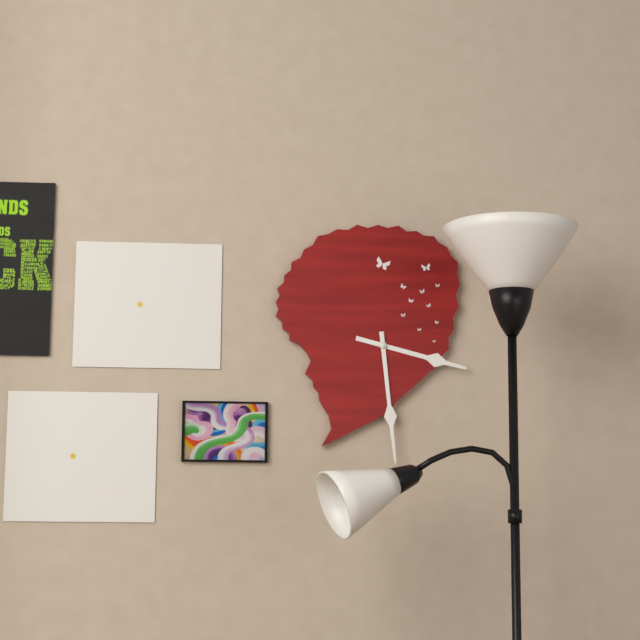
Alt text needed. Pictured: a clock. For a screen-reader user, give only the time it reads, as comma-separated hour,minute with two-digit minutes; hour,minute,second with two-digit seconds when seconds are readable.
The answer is 3,29
